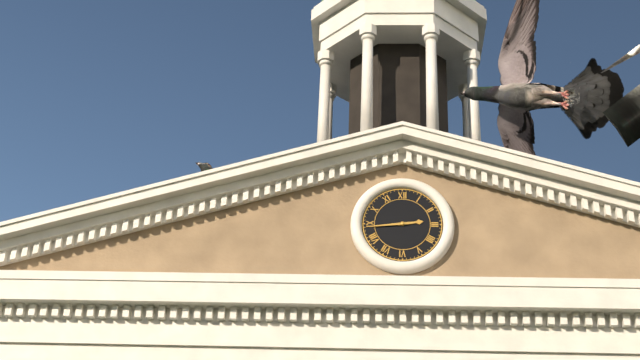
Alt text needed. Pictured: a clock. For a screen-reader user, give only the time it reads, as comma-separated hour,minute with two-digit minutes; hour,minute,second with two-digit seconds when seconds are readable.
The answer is 2,44
